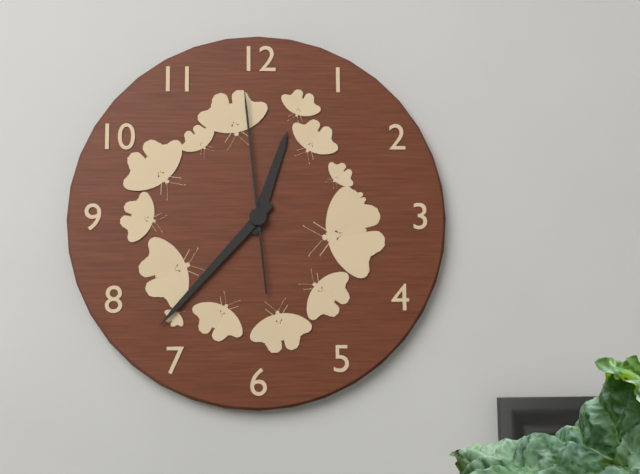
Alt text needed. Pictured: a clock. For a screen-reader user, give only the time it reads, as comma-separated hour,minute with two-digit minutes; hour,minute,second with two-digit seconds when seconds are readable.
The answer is 12,37,59
